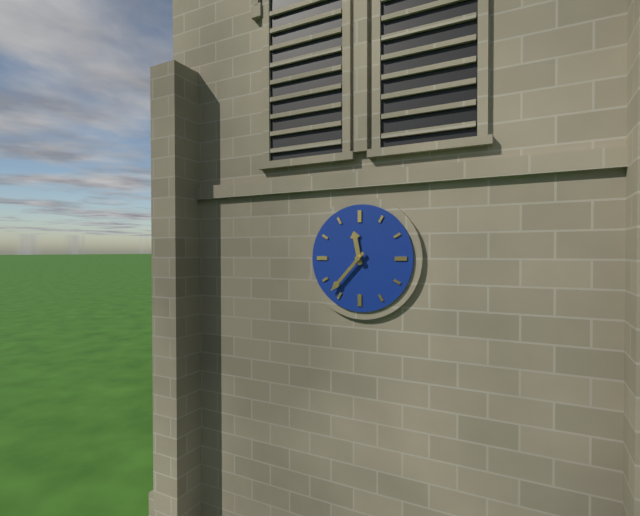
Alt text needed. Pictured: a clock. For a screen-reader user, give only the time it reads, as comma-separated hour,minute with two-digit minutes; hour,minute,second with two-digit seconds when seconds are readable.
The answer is 11,37
